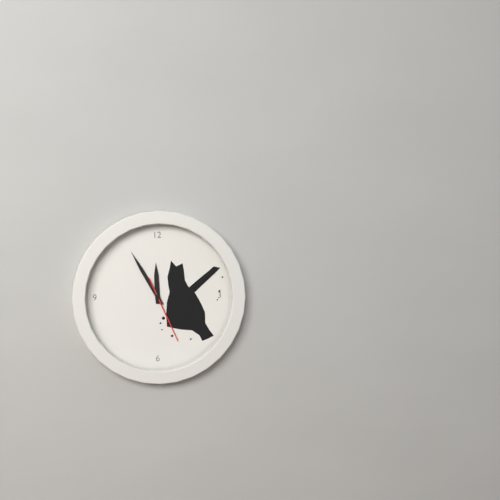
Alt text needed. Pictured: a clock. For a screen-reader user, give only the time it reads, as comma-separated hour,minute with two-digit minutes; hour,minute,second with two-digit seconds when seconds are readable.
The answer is 11,55,26
